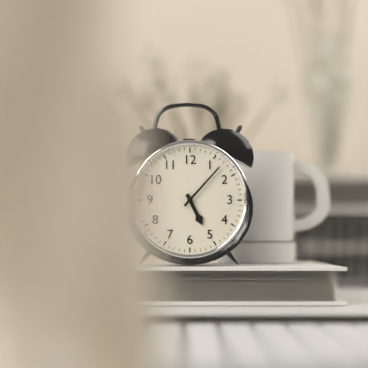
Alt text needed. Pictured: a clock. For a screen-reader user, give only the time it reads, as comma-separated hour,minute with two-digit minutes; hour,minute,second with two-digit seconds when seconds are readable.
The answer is 5,07
